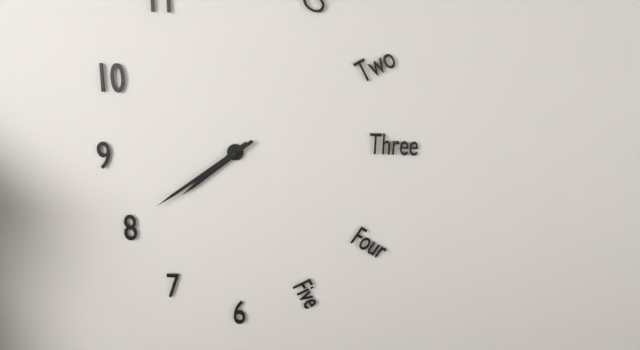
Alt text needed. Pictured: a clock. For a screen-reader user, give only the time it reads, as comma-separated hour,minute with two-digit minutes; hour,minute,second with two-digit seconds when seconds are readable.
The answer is 7,39
